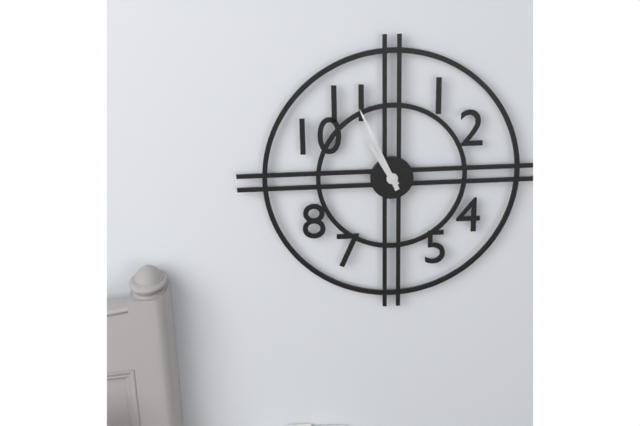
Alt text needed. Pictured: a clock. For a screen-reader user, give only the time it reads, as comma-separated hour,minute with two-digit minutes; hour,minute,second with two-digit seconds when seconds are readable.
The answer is 10,56
